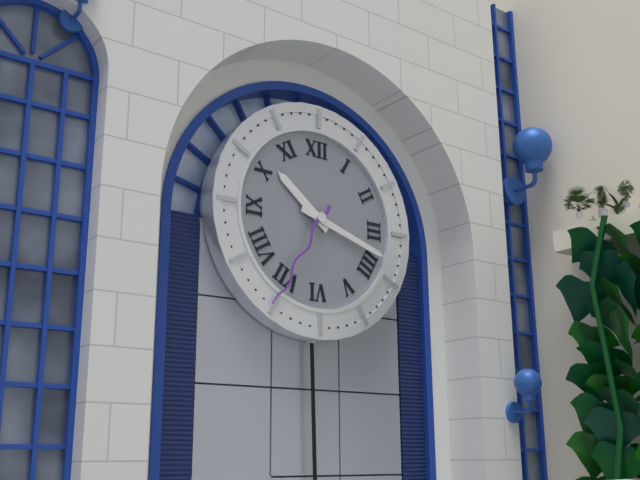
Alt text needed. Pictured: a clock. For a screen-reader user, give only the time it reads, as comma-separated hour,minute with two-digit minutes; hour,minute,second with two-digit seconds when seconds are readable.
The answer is 10,18,35
